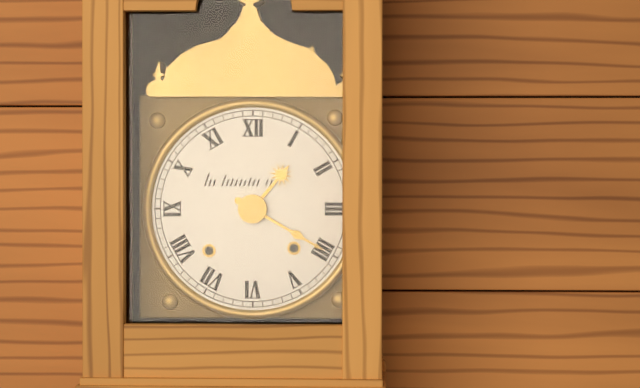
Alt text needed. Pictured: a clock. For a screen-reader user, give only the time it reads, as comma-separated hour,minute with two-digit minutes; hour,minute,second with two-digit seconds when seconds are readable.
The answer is 1,20
